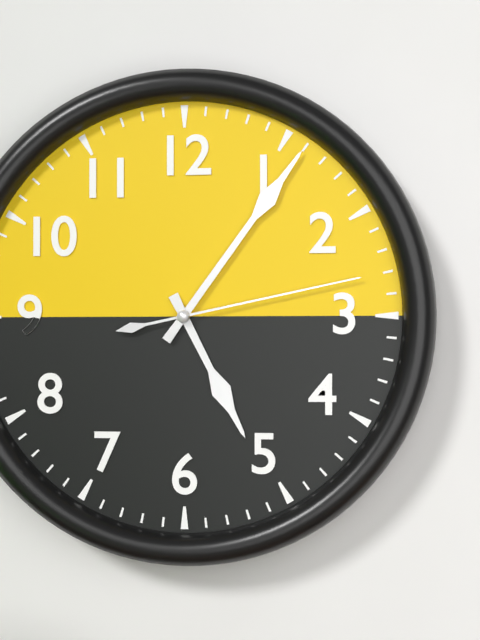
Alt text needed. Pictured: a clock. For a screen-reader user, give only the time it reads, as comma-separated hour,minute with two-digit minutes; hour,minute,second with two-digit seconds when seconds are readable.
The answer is 5,06,13
